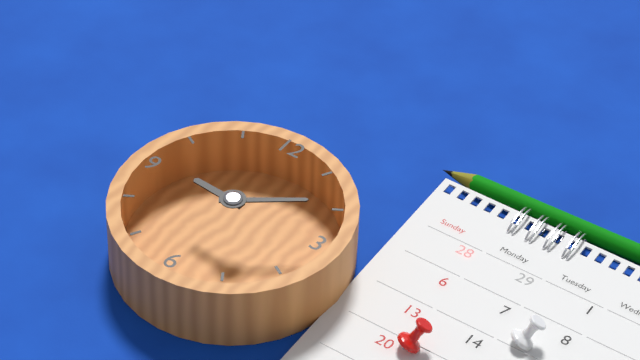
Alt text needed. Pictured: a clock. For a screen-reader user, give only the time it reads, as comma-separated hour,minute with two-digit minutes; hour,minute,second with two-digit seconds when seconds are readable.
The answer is 9,09
